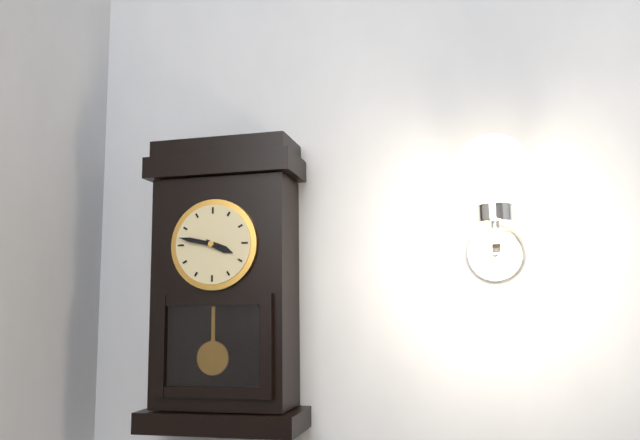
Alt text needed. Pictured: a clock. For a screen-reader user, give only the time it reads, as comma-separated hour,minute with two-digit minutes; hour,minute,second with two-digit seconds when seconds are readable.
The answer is 3,47
